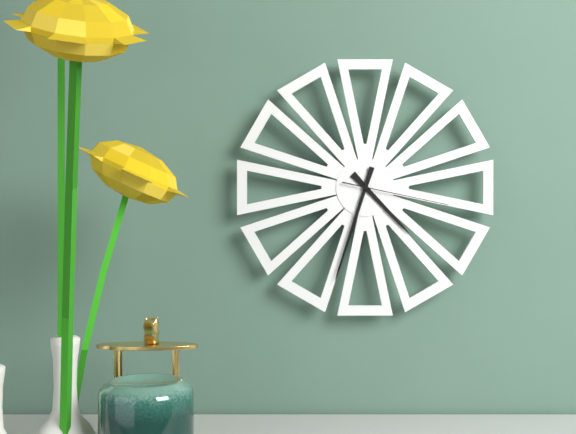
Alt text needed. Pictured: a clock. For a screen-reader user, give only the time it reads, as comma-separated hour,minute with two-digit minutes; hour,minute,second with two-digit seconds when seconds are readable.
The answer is 4,33,17
